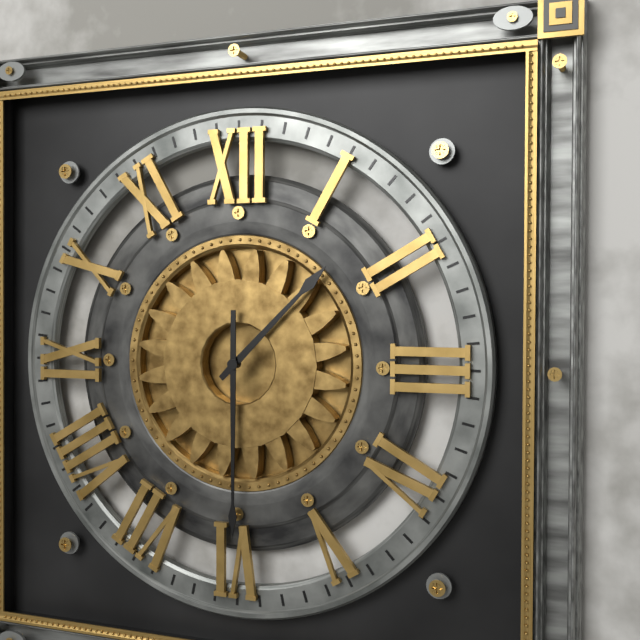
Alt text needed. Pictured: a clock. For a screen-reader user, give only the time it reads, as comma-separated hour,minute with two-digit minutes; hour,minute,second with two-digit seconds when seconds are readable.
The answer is 1,30
